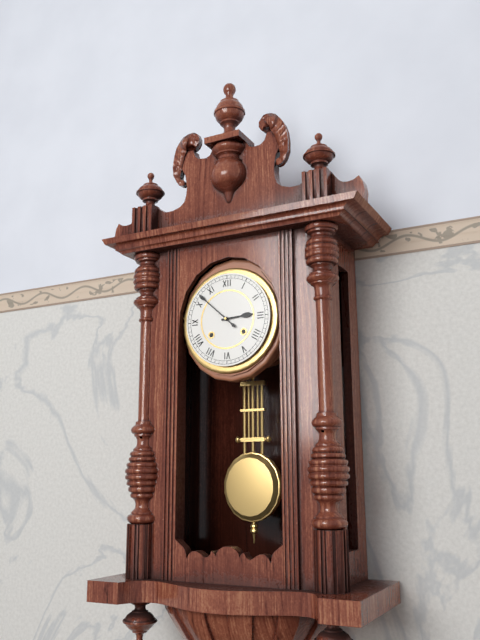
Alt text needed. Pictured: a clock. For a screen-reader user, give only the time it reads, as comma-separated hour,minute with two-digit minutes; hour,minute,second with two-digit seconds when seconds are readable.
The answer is 2,52
